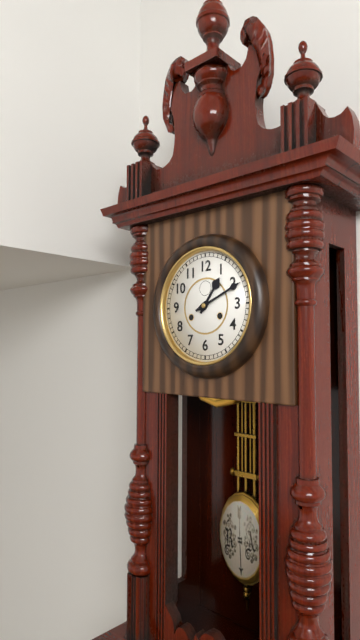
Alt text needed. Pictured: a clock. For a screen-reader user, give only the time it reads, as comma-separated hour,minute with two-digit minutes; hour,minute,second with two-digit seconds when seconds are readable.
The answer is 1,11
